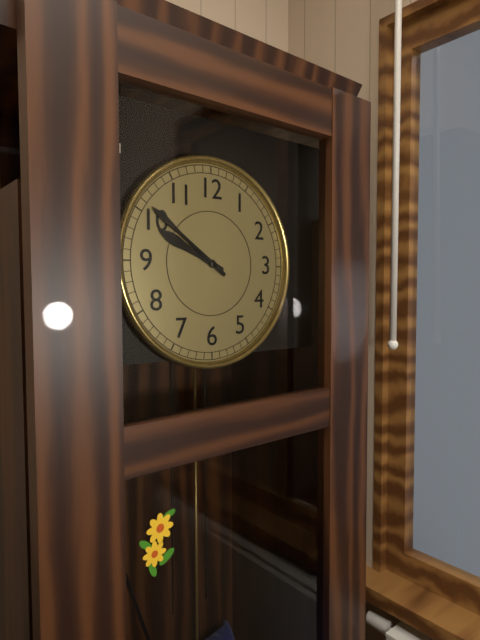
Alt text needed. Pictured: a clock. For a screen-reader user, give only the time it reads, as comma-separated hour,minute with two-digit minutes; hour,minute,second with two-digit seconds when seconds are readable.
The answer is 9,51
